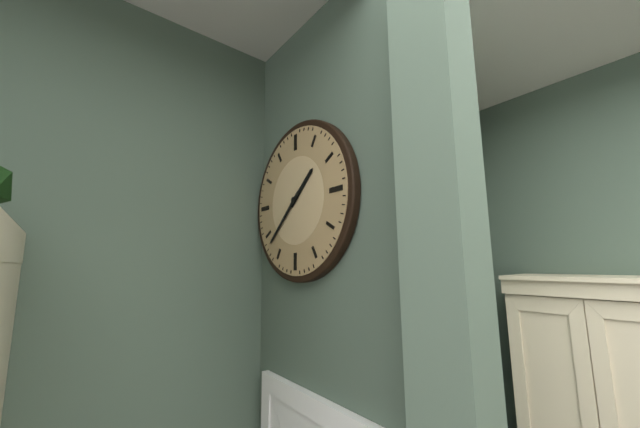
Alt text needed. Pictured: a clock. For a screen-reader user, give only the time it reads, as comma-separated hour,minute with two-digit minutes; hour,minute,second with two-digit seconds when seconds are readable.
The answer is 1,38
